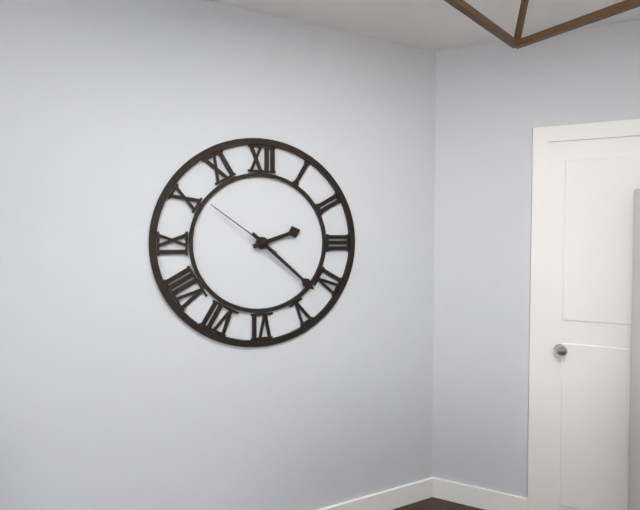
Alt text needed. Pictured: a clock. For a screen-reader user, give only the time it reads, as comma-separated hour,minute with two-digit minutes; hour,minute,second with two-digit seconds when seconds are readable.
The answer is 2,22,51
